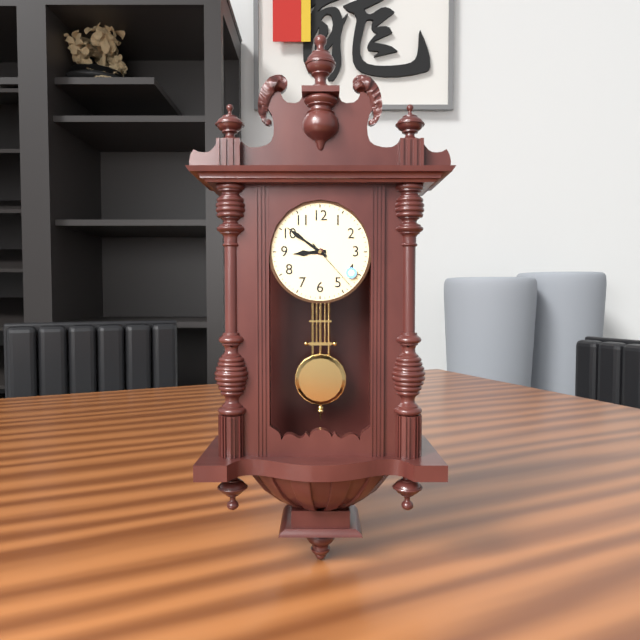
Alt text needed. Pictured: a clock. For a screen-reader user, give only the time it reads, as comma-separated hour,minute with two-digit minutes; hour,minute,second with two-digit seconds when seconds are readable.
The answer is 8,51,23
